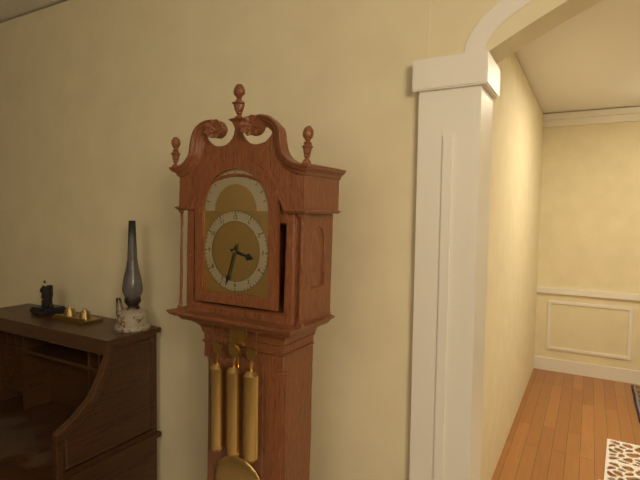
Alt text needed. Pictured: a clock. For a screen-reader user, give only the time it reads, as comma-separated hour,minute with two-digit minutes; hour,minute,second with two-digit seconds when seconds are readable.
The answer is 3,33
